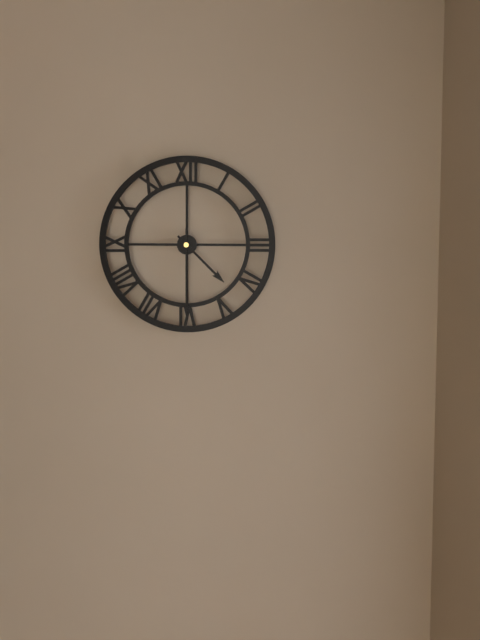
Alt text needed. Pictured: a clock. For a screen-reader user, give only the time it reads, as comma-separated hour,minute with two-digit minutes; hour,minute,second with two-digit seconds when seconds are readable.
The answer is 4,30
